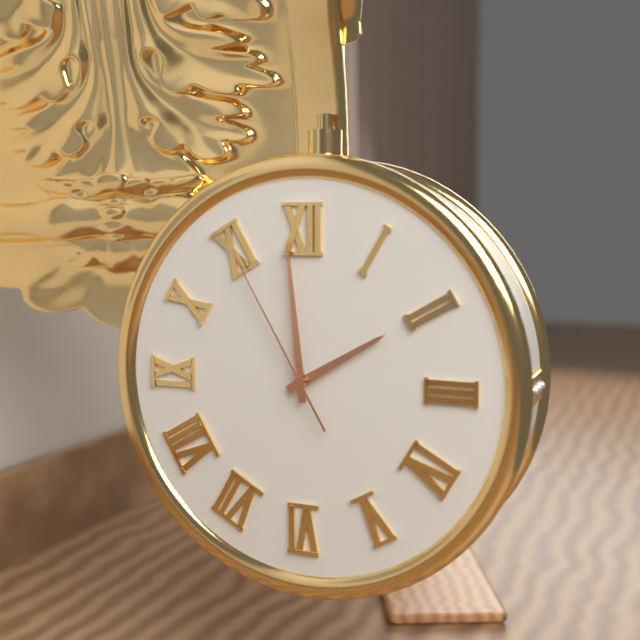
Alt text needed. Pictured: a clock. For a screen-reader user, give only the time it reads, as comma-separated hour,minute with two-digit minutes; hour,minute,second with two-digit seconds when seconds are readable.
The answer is 1,59,55
